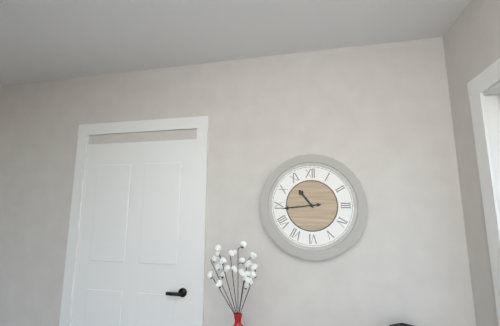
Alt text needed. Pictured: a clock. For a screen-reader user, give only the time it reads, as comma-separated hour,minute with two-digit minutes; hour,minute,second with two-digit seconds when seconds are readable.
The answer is 10,44
